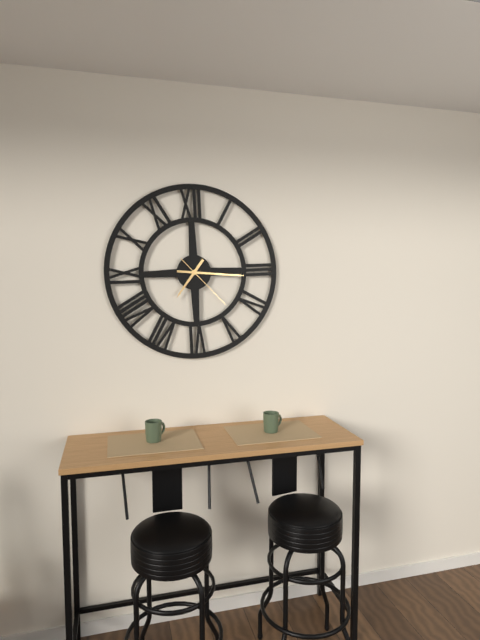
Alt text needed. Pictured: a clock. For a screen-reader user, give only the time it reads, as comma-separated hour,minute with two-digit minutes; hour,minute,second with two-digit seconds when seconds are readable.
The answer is 7,16,23
